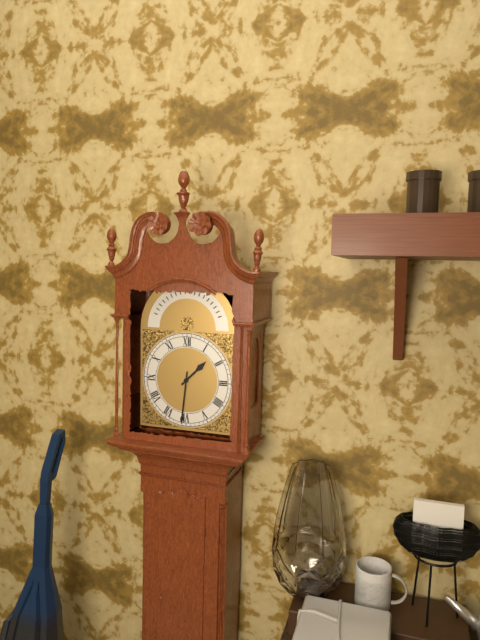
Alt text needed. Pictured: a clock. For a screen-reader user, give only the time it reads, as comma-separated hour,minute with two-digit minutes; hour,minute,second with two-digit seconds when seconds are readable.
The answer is 1,31
